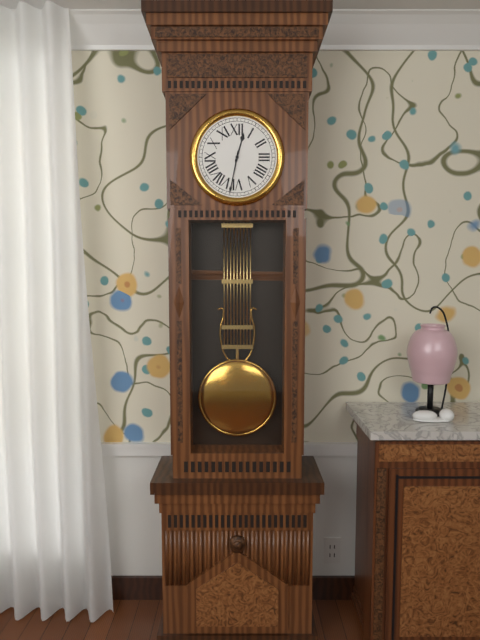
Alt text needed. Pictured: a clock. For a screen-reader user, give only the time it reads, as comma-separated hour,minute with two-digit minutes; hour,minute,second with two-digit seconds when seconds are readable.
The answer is 12,32
